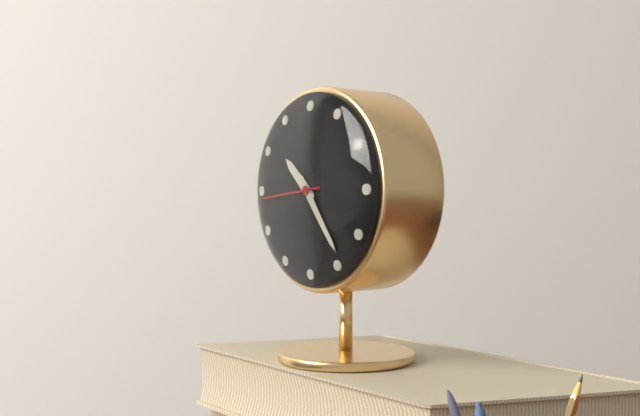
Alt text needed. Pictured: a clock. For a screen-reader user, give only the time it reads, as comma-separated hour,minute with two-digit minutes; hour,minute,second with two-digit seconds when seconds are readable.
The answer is 10,24,44
